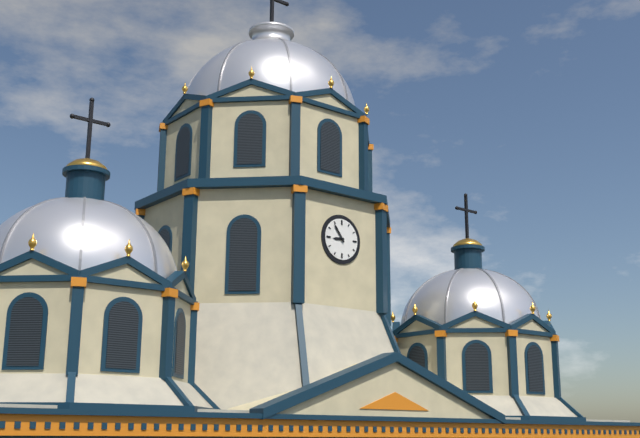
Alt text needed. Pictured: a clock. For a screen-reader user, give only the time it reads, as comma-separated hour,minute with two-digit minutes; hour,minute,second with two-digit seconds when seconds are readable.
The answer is 8,54
